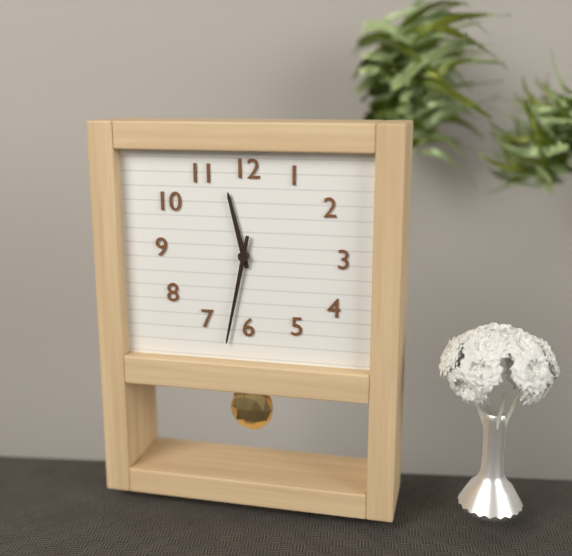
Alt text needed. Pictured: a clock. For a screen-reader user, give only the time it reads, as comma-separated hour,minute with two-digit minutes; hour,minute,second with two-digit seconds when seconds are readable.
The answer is 11,32
